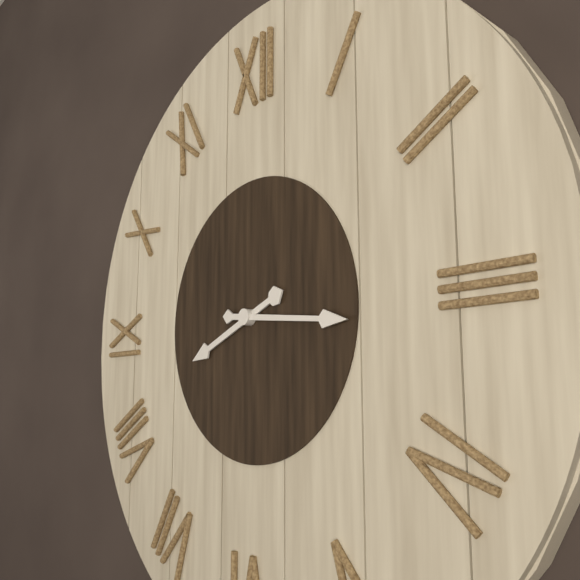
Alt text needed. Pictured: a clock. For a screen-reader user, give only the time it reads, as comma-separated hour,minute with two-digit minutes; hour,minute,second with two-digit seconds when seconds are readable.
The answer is 8,16
